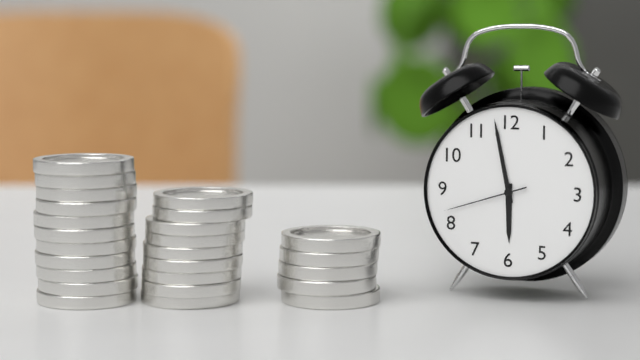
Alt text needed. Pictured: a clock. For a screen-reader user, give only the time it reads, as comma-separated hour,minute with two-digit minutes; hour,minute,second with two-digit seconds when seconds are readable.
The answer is 5,58,42
